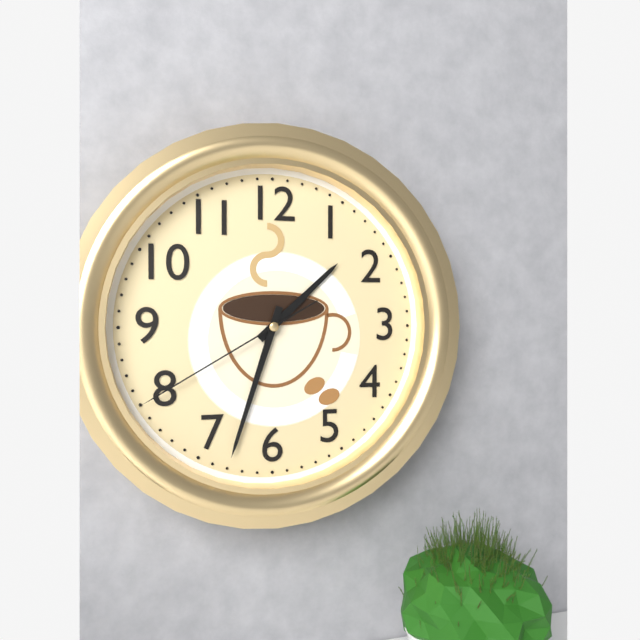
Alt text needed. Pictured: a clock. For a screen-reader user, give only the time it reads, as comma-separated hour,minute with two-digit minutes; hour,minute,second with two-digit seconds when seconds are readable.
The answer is 1,33,40
